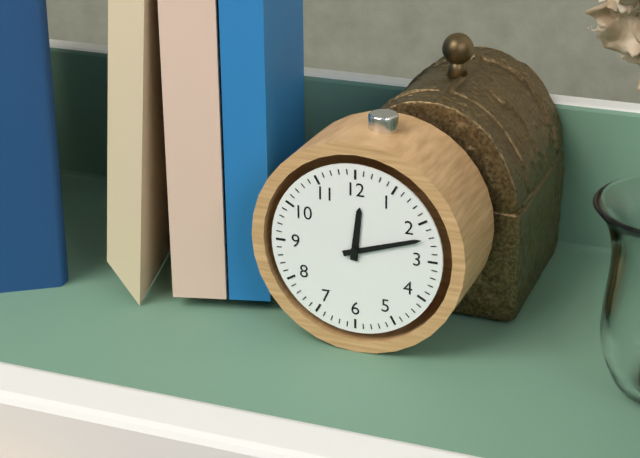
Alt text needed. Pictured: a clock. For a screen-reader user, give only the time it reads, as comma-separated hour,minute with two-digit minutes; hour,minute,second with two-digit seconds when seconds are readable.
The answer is 12,12
